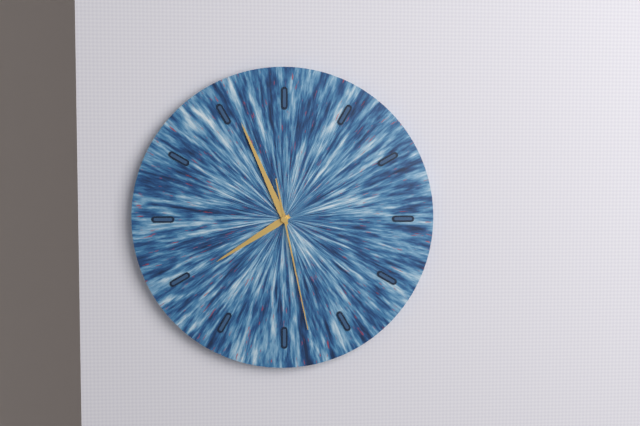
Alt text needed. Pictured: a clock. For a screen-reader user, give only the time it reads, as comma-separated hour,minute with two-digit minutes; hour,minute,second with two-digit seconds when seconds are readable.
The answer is 7,56,28
